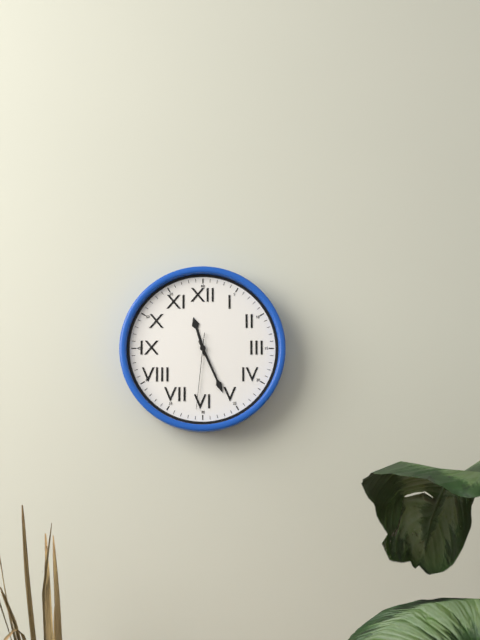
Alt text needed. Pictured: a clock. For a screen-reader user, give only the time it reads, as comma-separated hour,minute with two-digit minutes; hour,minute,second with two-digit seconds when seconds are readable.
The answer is 11,26,31
